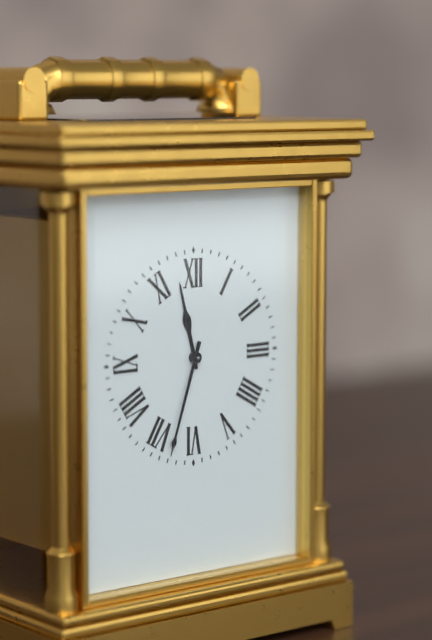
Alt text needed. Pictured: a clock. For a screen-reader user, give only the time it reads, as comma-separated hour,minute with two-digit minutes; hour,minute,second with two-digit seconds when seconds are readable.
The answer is 11,33
